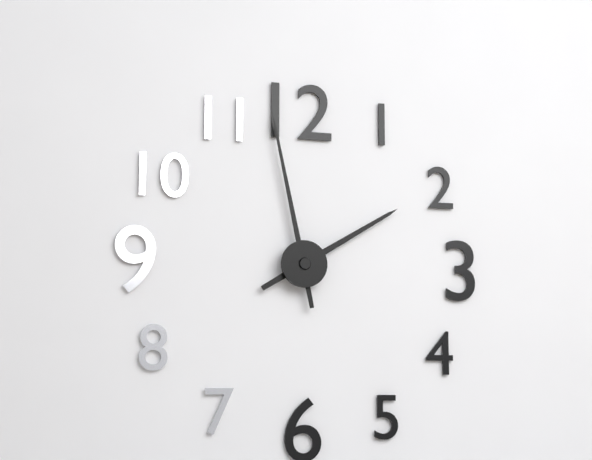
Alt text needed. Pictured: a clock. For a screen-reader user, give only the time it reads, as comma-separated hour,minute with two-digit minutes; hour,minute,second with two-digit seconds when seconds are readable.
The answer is 1,58
